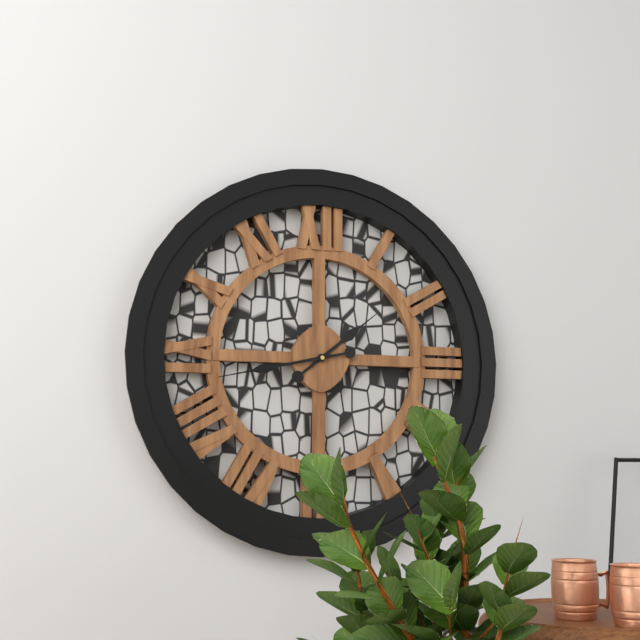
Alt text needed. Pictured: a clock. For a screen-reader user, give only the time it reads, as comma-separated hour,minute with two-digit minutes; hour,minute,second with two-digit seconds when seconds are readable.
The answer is 1,43
